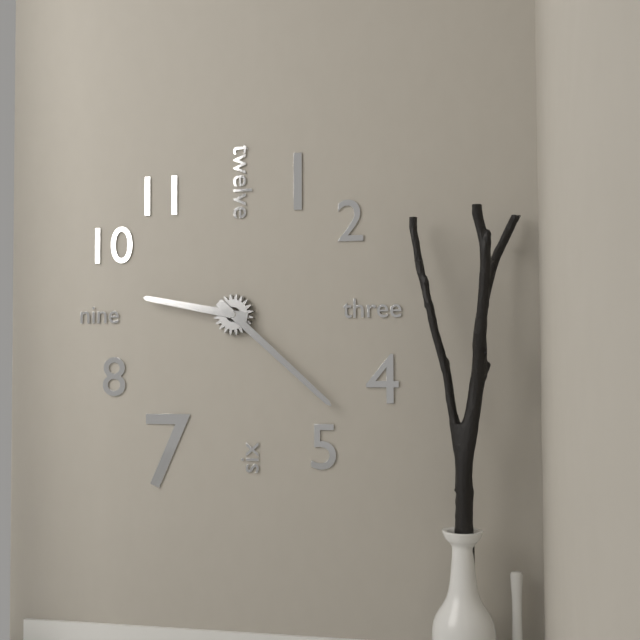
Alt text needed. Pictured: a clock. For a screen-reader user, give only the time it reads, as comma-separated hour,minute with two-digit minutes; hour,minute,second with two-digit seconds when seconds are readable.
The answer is 9,22
